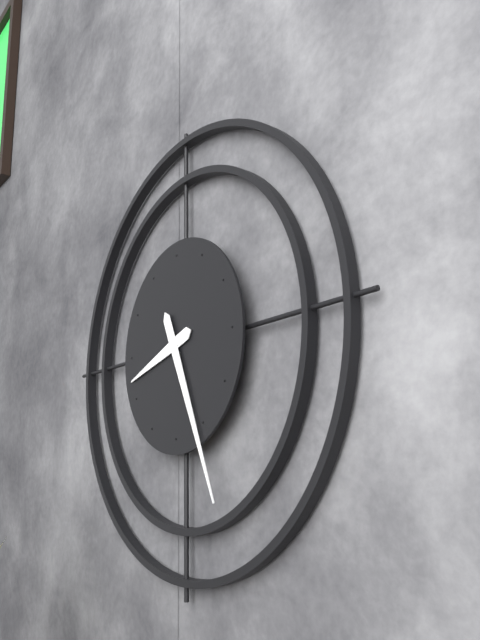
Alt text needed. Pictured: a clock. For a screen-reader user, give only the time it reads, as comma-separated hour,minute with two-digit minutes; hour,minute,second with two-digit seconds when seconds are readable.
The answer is 8,26
